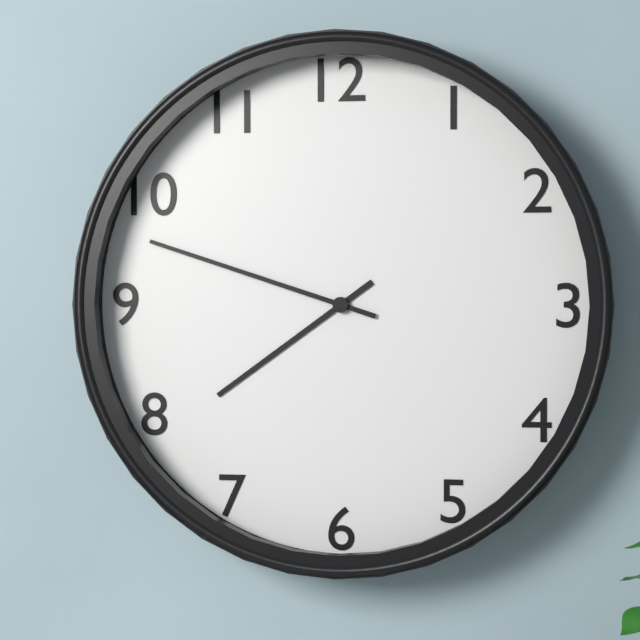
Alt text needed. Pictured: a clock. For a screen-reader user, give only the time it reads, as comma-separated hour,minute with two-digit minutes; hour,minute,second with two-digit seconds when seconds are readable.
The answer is 7,48
